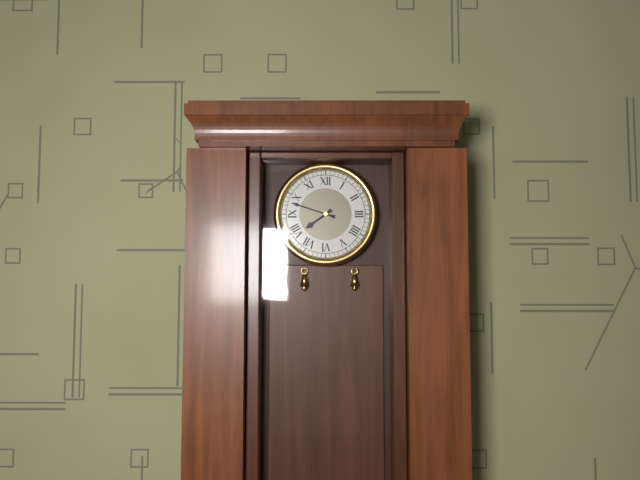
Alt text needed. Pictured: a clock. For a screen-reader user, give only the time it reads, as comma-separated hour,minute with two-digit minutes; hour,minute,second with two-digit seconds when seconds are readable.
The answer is 7,48
